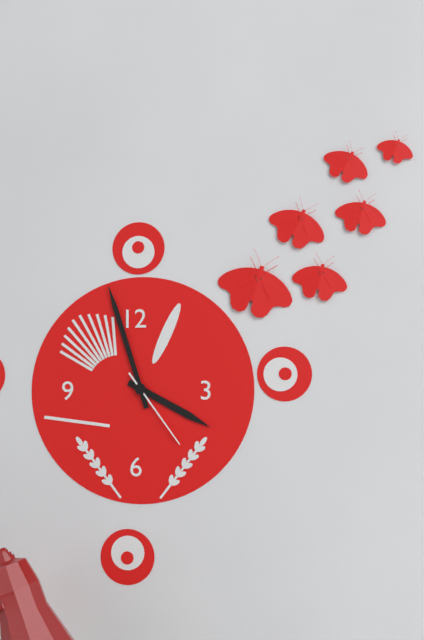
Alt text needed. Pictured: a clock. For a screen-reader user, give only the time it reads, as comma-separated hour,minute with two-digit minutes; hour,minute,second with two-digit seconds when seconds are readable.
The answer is 3,57,24
